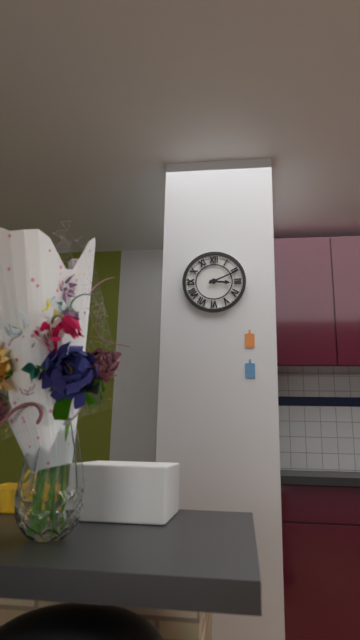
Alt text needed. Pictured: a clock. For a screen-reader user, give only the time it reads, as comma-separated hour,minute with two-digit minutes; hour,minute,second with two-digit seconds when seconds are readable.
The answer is 3,11
